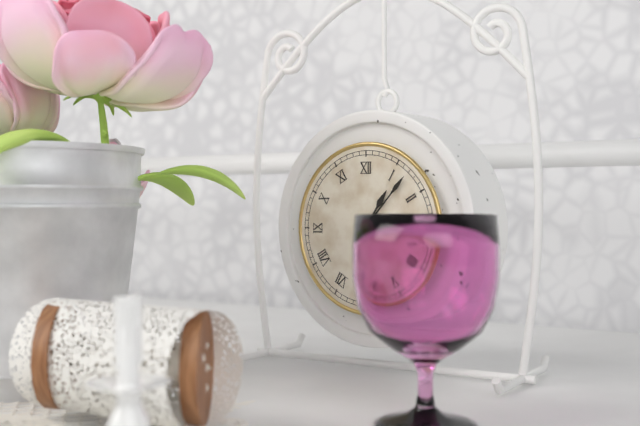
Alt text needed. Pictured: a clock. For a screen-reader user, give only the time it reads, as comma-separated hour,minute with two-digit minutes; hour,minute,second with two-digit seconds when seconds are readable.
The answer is 1,07
